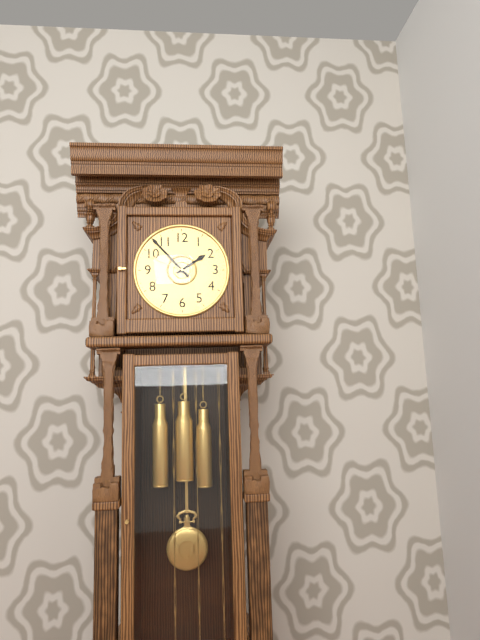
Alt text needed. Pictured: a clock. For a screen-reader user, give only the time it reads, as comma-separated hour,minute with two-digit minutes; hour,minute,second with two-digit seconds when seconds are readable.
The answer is 1,53
